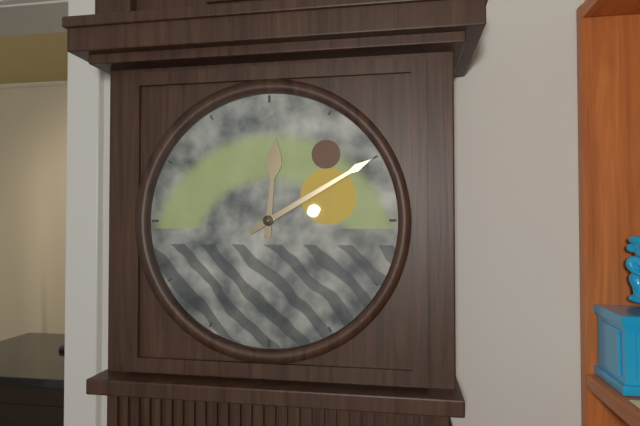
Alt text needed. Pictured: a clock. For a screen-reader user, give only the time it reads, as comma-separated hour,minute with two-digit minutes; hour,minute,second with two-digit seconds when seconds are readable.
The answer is 12,10
